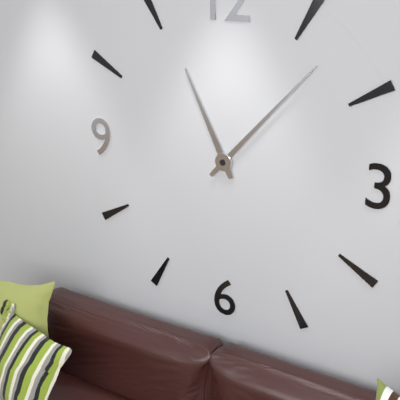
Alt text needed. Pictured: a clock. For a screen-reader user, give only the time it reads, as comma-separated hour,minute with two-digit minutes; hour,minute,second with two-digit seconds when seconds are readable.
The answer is 11,07
